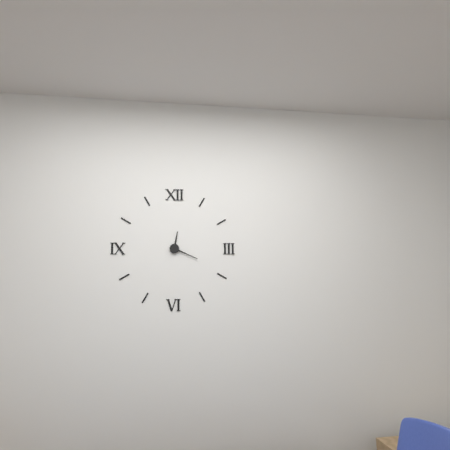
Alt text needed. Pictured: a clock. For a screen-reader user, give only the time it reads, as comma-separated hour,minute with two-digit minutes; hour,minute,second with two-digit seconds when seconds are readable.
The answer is 12,19
